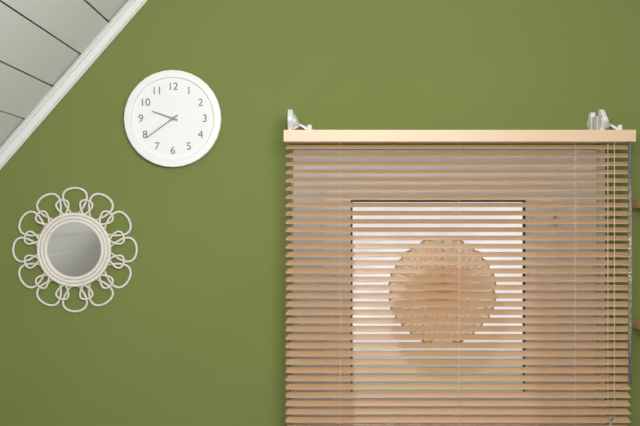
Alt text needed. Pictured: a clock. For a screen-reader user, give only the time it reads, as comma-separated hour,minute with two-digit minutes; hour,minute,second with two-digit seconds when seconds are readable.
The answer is 9,39
